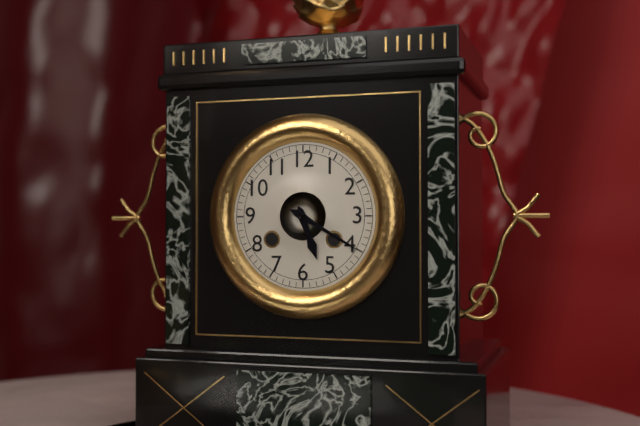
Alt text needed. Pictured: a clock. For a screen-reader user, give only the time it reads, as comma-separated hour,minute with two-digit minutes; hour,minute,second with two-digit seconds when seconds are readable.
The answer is 5,20
